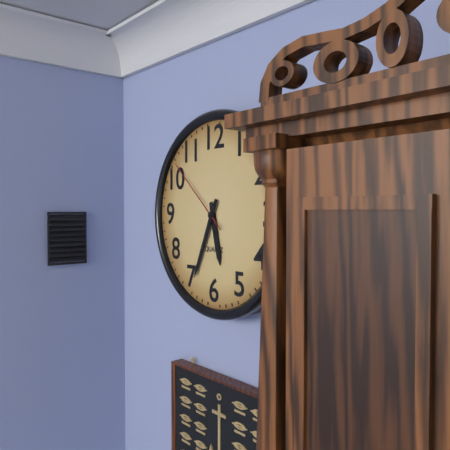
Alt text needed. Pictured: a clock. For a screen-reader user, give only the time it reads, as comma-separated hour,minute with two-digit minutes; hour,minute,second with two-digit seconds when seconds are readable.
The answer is 5,34,52
